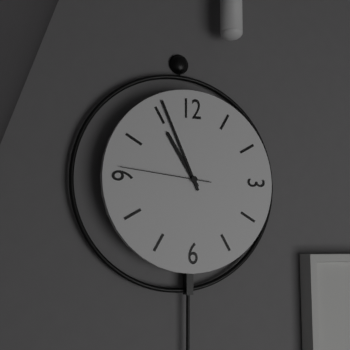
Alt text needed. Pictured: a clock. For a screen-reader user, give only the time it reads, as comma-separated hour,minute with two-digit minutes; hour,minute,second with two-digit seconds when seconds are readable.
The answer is 10,56,46
